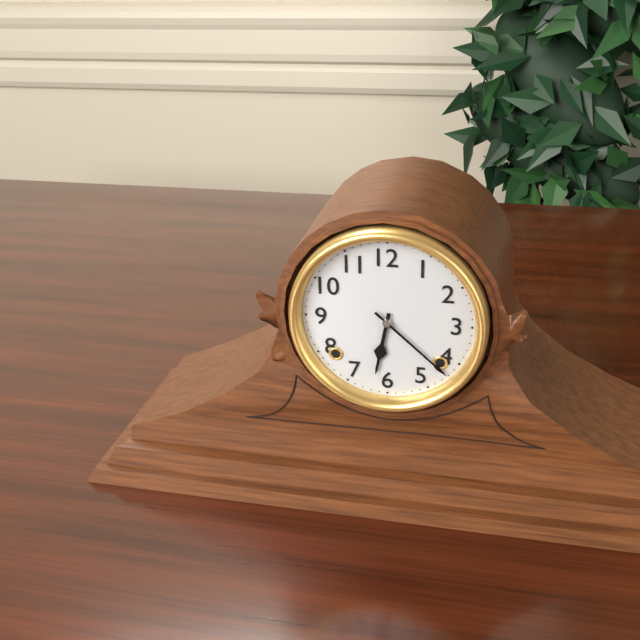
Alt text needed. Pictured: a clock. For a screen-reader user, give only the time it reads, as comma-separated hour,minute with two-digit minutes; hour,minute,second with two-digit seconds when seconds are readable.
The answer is 6,22
